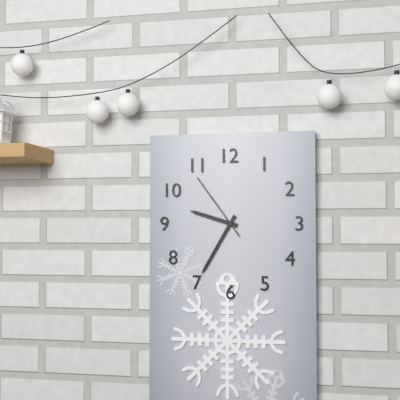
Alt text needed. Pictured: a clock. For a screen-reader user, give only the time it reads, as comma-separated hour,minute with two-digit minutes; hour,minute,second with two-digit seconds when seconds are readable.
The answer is 9,35,54
